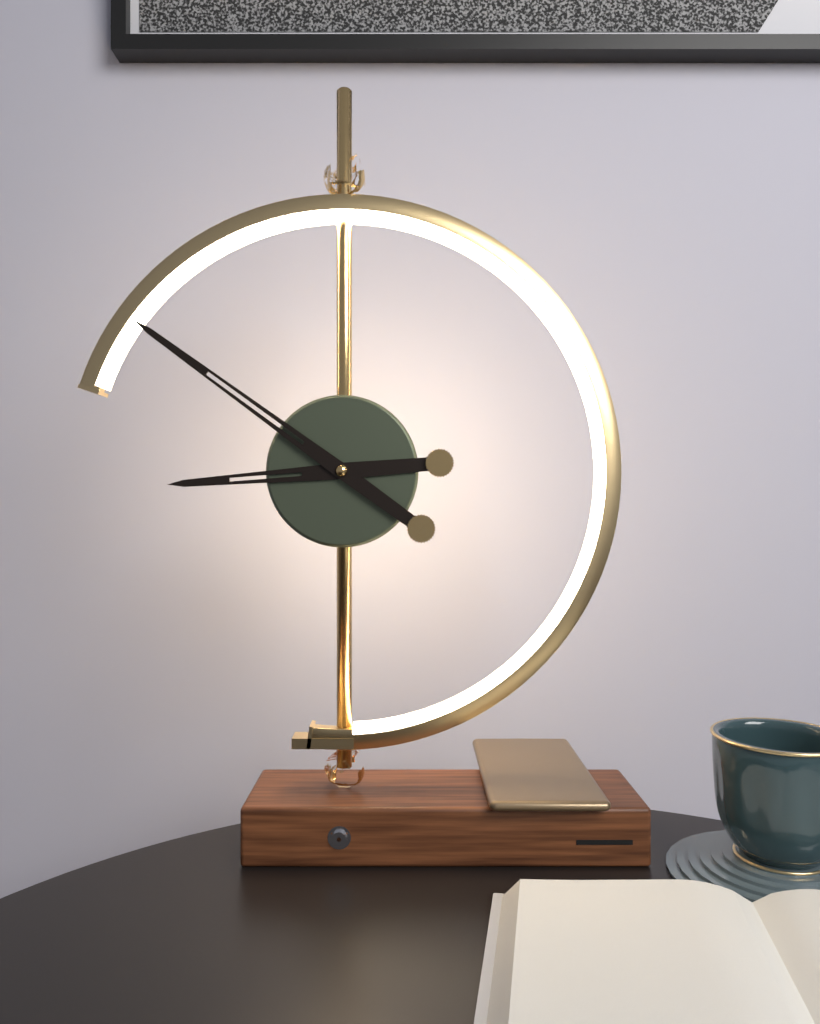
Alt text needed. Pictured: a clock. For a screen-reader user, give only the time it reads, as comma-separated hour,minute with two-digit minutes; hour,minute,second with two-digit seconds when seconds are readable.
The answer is 8,51
